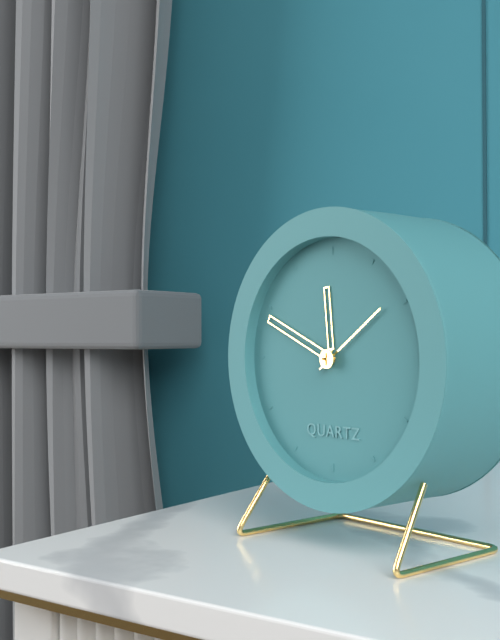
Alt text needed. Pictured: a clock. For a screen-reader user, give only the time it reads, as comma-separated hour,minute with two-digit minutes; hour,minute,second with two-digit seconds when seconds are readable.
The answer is 11,49,09
